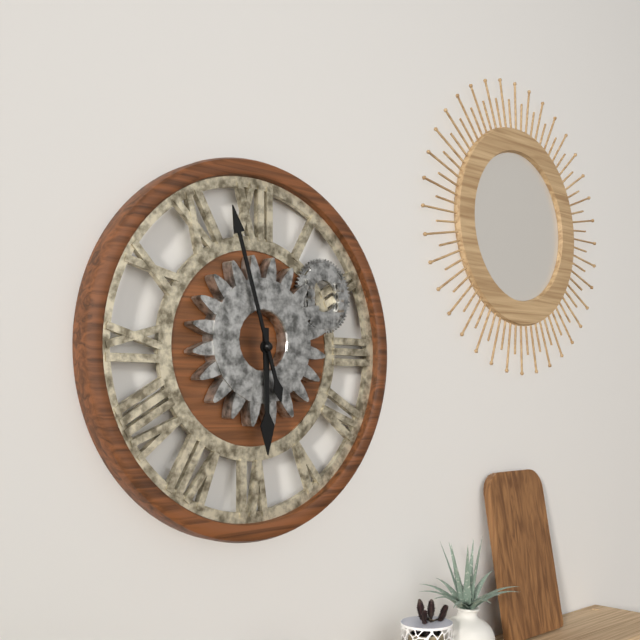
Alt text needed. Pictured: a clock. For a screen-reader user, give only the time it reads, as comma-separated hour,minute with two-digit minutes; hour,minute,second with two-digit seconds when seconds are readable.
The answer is 5,57
